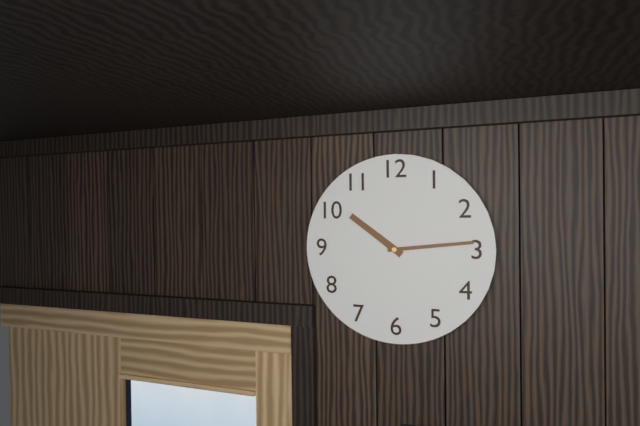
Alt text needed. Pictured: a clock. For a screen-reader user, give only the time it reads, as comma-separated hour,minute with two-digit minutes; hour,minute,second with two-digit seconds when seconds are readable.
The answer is 10,14
